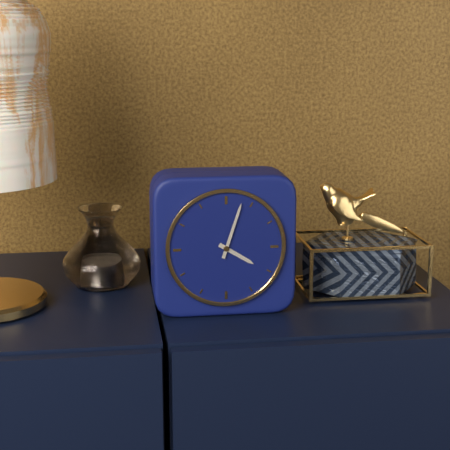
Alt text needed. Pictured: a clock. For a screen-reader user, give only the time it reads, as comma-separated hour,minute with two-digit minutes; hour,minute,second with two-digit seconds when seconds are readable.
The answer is 4,03
